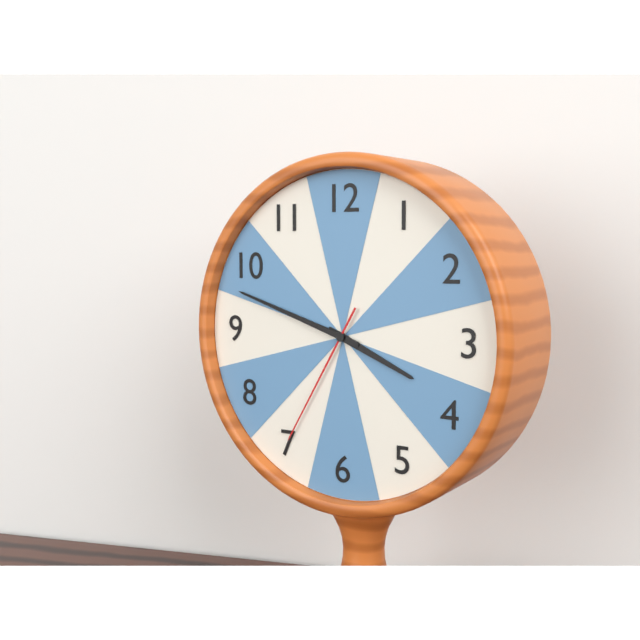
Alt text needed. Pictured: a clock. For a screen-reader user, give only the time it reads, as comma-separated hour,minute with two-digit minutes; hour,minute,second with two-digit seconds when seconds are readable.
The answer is 3,48,35
